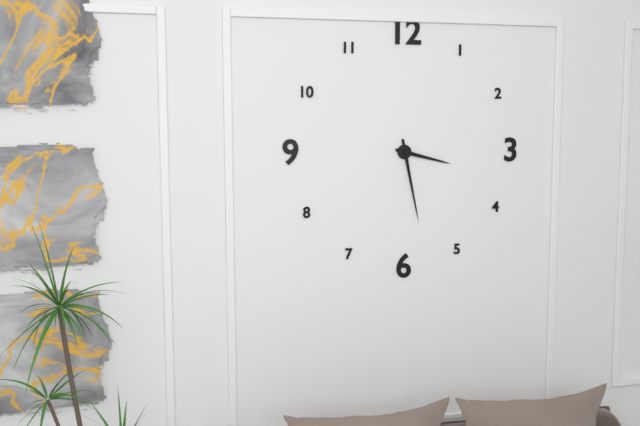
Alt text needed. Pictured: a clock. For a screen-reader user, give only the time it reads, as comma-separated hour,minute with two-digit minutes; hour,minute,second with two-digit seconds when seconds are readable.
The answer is 3,28
